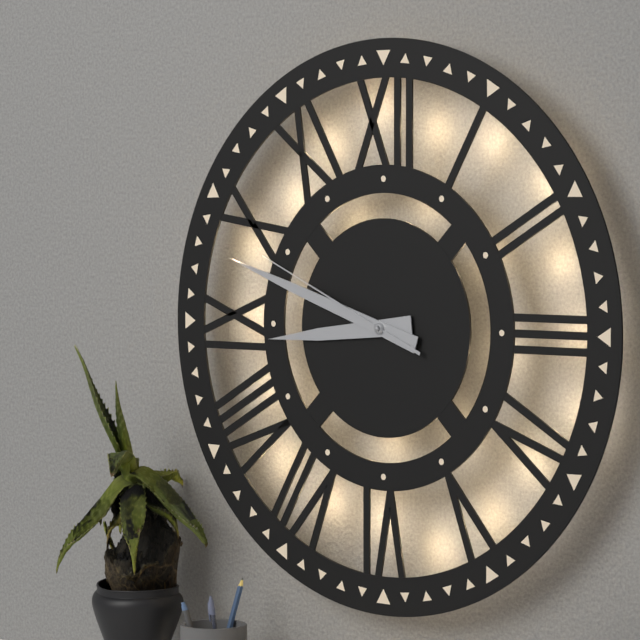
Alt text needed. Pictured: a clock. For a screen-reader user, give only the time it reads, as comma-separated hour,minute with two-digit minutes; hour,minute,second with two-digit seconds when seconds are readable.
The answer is 8,48,49
